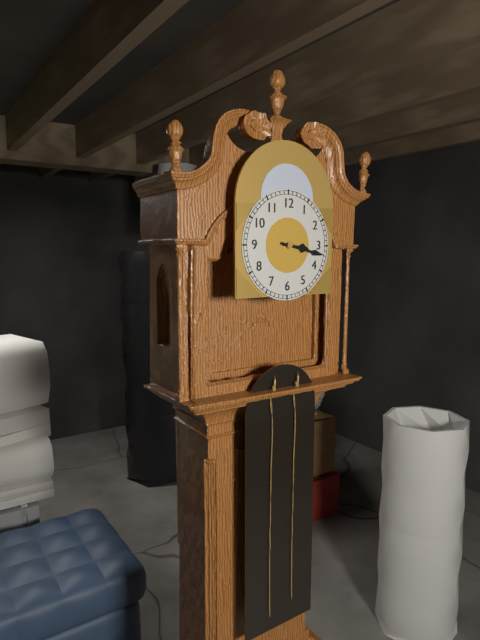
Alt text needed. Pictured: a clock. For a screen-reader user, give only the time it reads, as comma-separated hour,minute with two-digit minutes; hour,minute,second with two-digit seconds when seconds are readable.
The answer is 3,17
